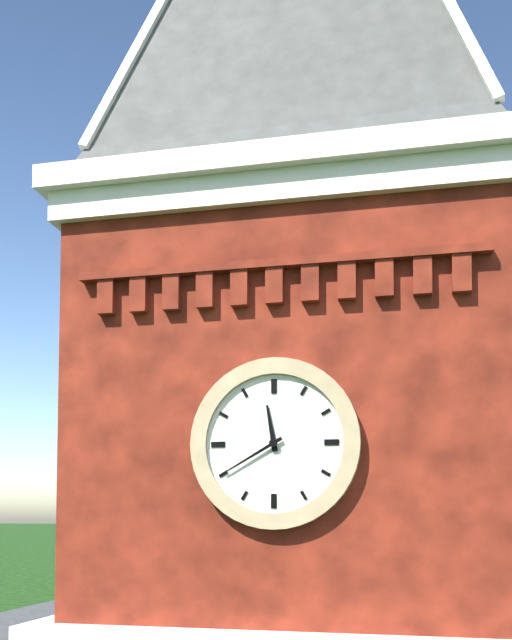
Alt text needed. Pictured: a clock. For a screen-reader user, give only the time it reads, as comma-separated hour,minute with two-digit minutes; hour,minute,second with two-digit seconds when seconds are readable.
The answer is 11,40
